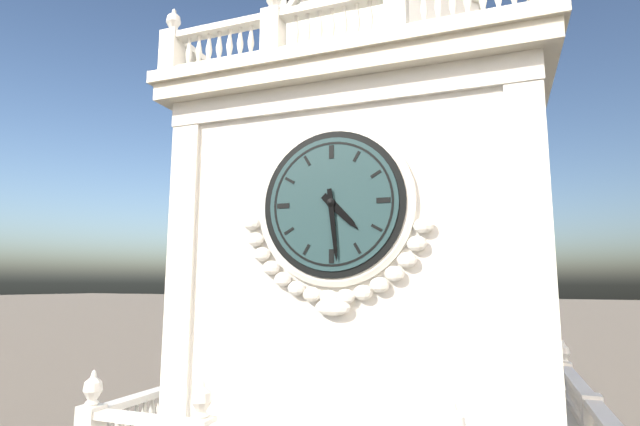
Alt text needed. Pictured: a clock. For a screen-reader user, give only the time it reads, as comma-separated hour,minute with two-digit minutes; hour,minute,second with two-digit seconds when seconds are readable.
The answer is 4,29
